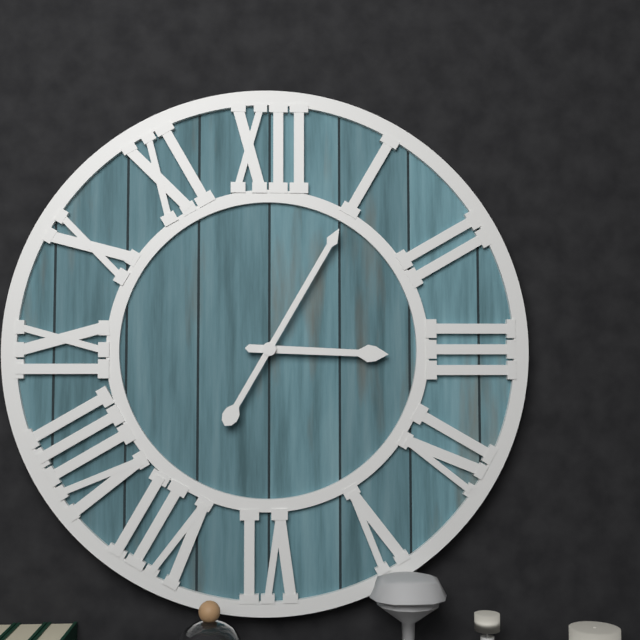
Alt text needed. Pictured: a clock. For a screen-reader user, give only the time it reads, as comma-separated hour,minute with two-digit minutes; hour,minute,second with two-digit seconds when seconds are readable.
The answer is 3,05
